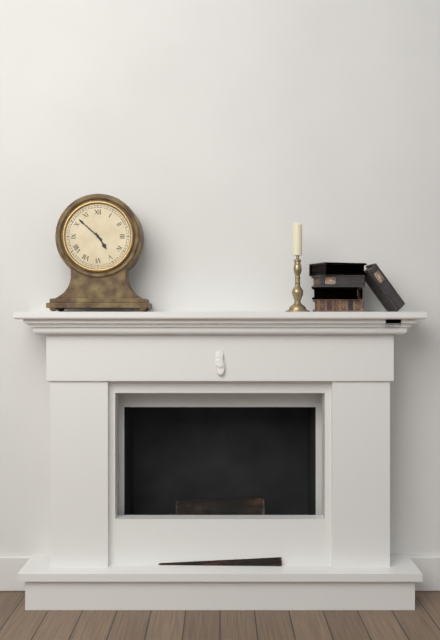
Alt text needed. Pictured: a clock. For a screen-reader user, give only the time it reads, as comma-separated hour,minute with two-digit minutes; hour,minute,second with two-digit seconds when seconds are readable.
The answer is 4,52
